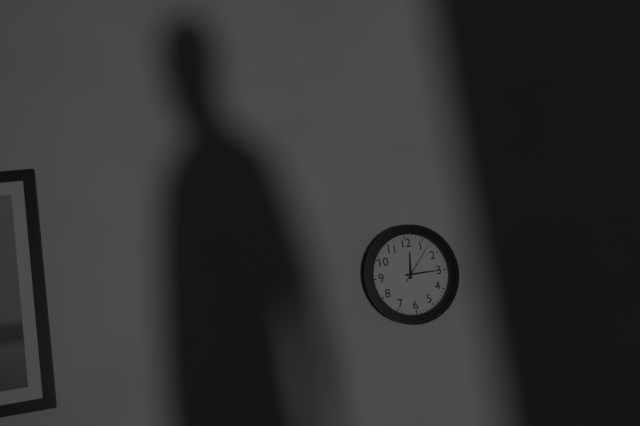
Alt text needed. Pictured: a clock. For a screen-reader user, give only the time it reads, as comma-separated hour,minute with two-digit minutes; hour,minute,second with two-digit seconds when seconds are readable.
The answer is 12,15
